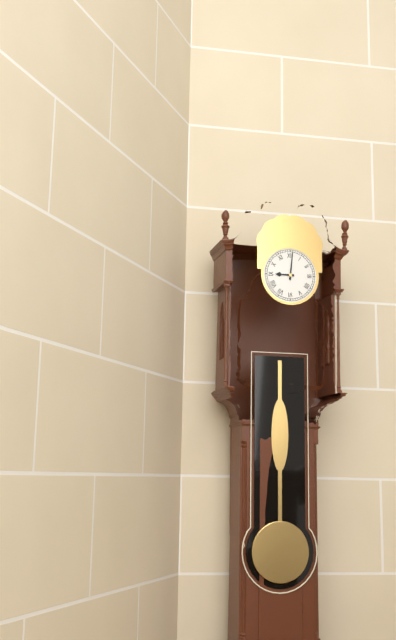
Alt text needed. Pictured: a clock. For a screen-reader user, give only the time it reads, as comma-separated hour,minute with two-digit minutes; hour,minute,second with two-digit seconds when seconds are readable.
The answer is 9,01
